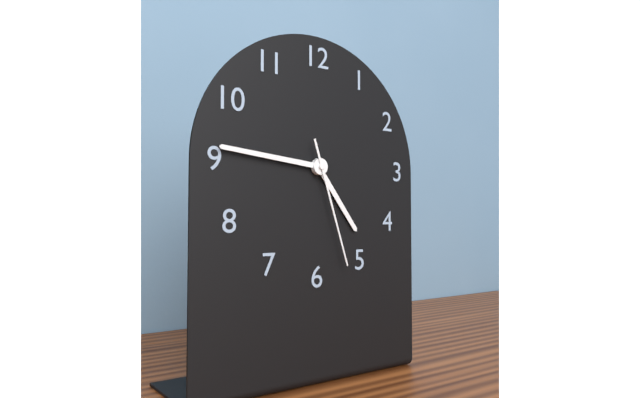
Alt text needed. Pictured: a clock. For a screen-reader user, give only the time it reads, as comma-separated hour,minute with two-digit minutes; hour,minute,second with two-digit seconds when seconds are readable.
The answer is 4,46,27
